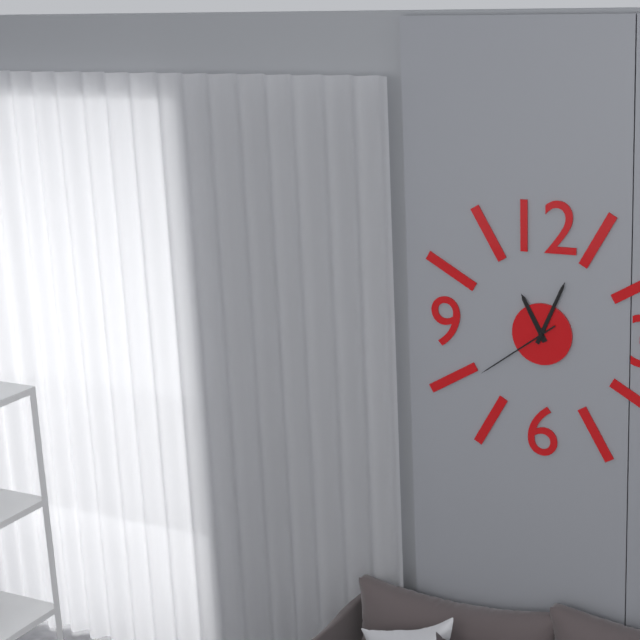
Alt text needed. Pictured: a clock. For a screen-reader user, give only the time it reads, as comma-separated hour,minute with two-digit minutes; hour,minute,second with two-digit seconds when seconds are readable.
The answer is 11,04,39
